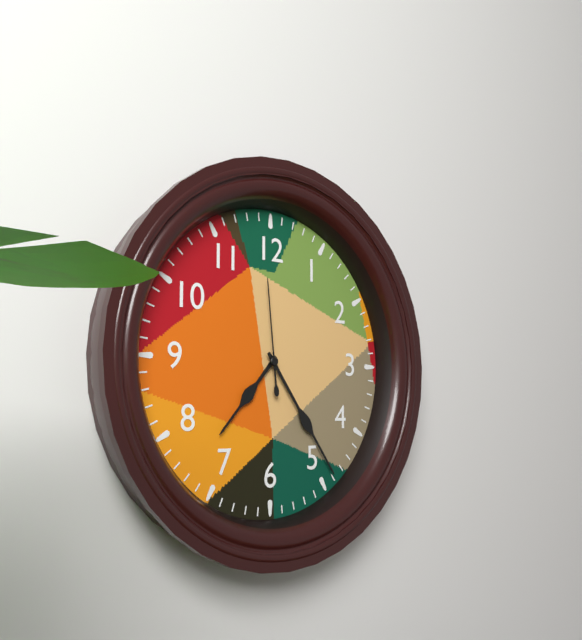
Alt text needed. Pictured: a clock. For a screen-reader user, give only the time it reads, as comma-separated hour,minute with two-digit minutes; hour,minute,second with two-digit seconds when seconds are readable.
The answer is 7,24,59
